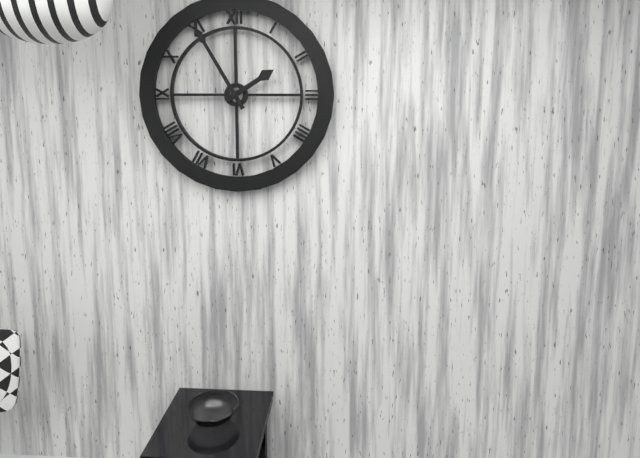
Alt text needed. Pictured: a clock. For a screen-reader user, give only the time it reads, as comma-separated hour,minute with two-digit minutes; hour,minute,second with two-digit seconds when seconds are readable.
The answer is 1,55
